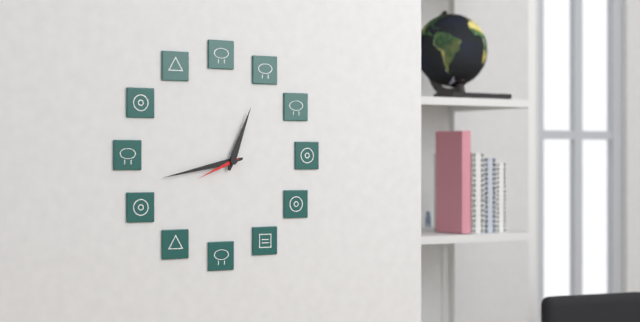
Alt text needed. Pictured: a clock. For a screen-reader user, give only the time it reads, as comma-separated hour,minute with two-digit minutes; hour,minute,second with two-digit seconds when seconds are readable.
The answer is 12,43
